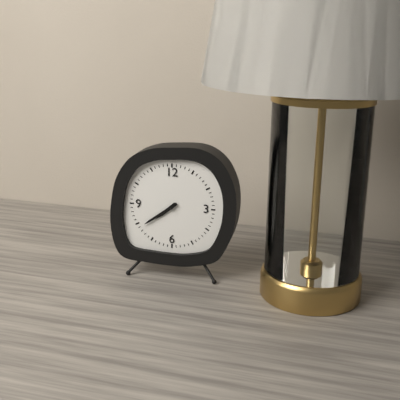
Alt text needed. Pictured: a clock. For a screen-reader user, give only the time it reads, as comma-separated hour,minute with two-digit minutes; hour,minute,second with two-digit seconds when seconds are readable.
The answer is 7,39
